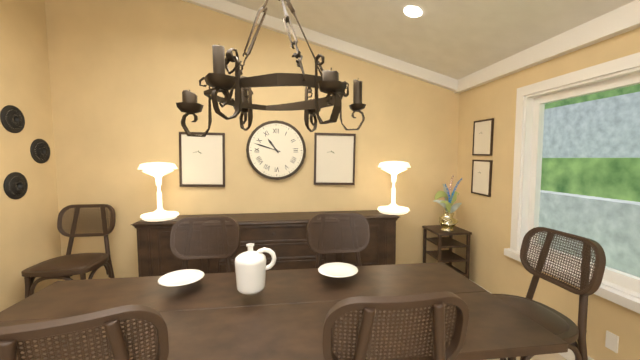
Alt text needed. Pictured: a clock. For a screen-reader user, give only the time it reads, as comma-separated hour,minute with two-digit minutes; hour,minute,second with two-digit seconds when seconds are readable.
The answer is 10,48
